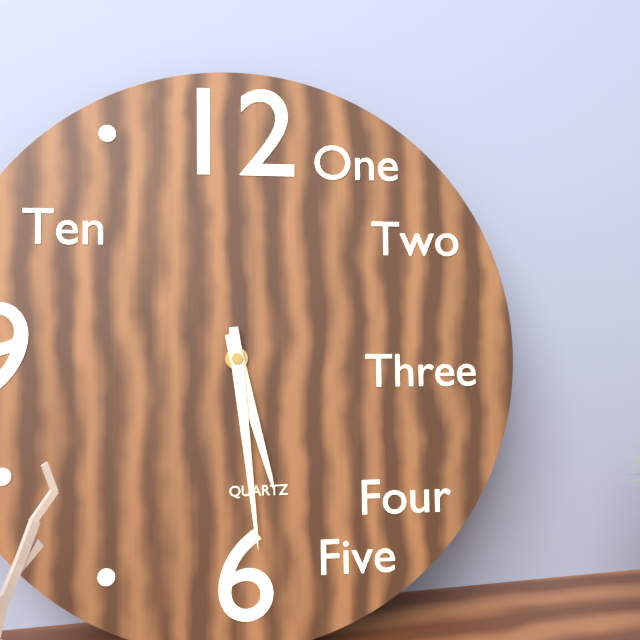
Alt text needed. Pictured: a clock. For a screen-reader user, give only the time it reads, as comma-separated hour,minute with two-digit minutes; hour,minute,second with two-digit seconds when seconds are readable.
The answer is 5,29
